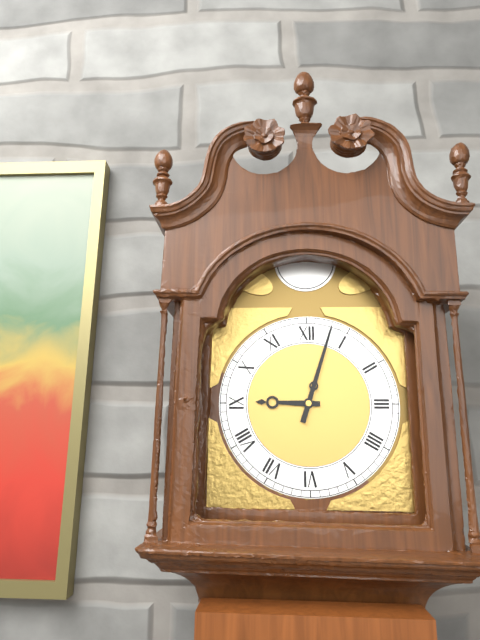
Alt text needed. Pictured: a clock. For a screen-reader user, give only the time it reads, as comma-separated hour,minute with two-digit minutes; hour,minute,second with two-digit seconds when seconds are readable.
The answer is 9,03
